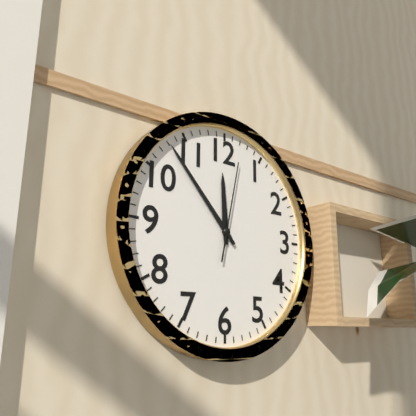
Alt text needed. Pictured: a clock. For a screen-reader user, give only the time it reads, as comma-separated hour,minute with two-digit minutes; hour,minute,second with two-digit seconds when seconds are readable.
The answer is 11,53,02
